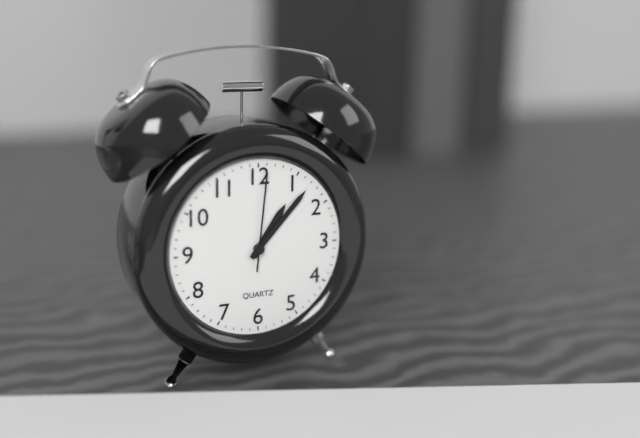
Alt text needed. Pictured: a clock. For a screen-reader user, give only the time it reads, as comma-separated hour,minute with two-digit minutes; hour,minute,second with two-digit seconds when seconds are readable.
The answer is 1,07,01
